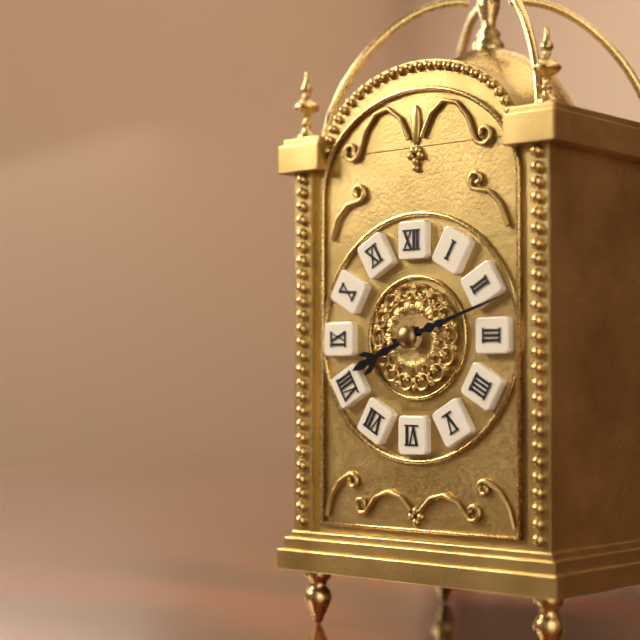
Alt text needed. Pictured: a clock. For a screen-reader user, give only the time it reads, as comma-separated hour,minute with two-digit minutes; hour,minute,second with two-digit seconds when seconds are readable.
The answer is 8,12
